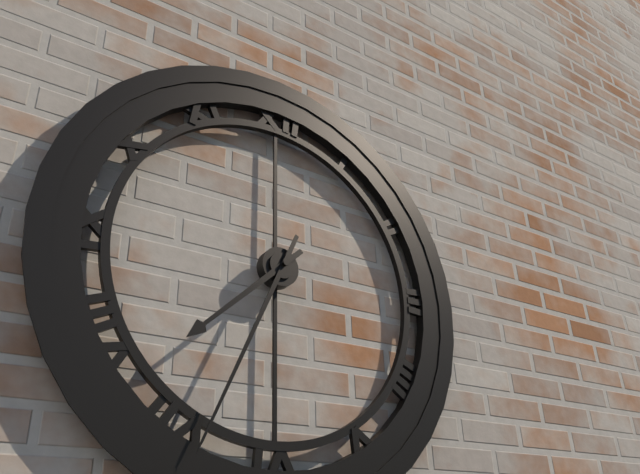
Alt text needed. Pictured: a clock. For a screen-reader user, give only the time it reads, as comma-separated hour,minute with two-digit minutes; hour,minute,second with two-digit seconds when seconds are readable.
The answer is 7,34
